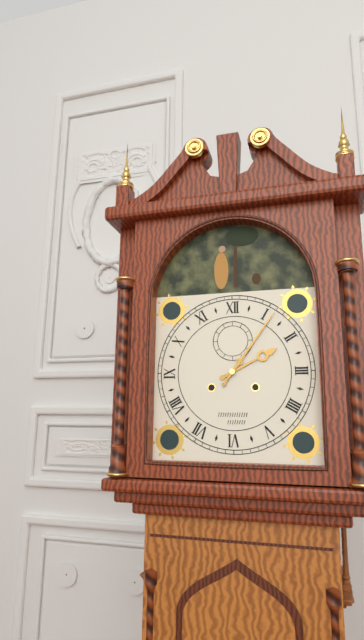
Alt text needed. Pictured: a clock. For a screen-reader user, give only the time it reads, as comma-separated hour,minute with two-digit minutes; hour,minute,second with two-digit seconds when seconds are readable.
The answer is 2,06
